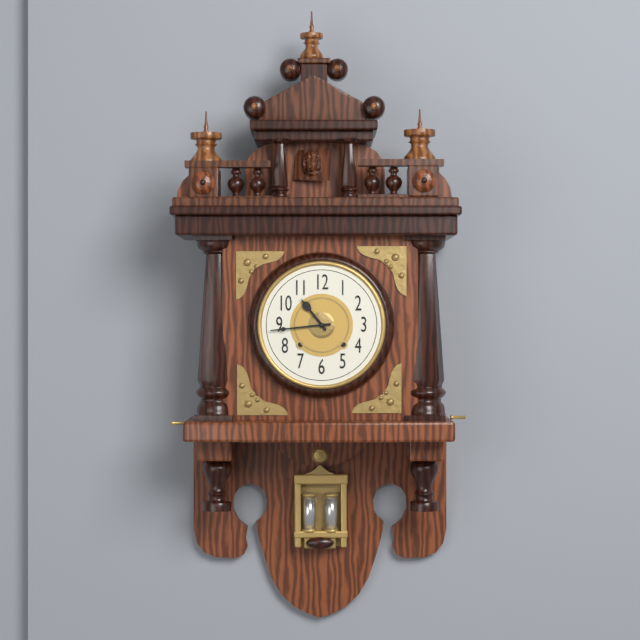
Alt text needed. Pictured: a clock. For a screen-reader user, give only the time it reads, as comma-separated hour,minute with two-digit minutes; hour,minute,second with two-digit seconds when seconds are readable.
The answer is 10,44
